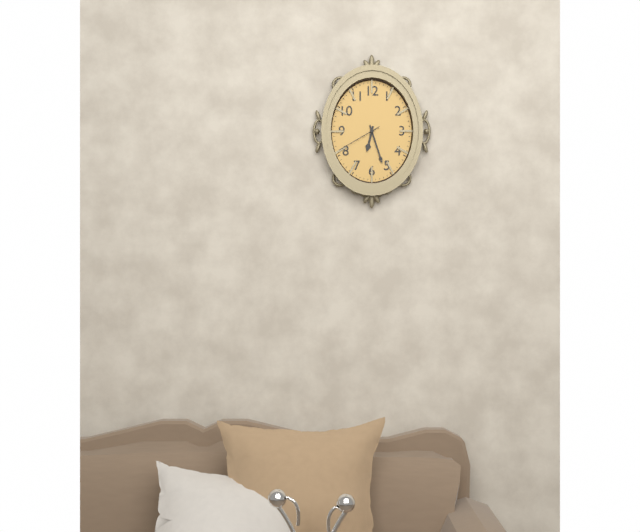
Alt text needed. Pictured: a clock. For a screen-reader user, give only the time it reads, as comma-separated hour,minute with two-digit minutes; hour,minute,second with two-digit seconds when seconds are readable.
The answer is 6,27
